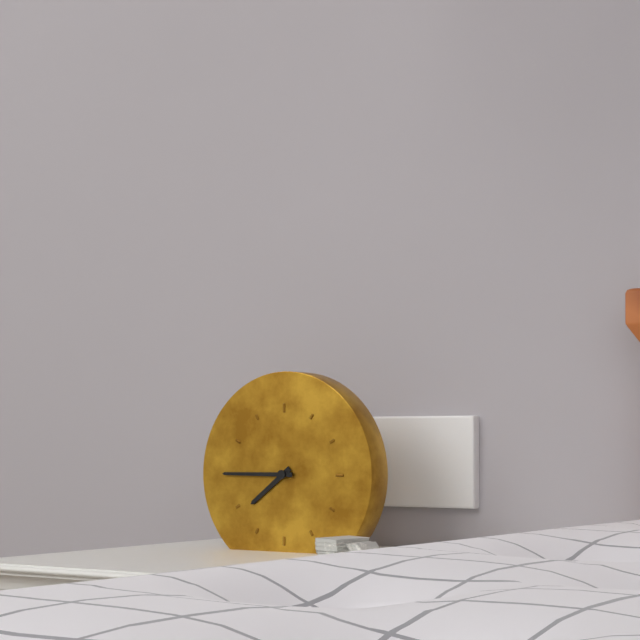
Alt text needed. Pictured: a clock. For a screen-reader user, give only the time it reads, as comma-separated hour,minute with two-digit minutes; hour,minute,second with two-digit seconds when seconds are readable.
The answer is 7,45
